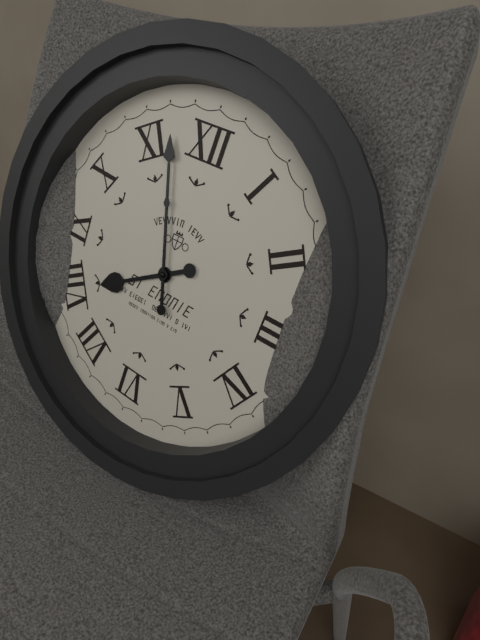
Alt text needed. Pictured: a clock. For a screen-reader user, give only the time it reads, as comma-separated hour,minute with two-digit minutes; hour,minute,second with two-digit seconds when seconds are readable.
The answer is 7,57
